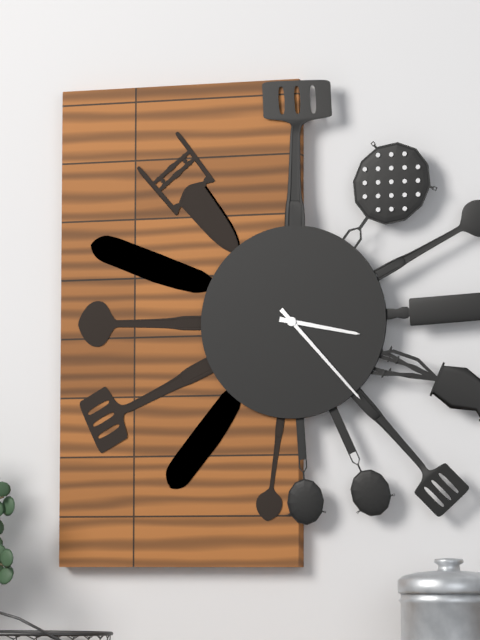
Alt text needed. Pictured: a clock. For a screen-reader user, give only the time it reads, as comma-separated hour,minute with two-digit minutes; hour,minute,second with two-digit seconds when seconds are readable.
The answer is 3,23
